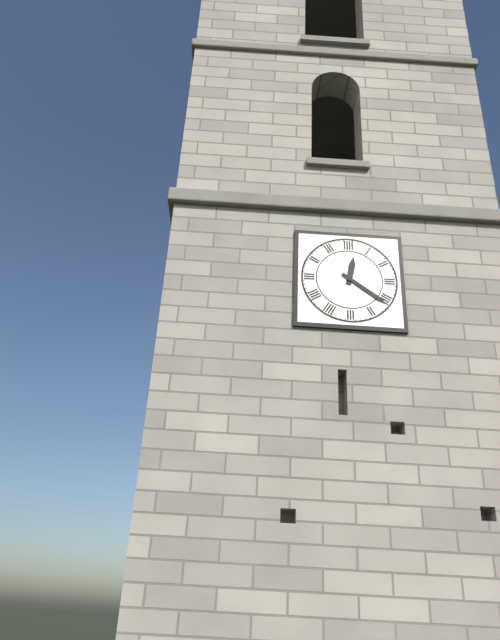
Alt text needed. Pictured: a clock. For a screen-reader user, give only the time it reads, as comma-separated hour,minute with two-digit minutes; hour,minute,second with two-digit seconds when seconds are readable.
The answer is 12,21
